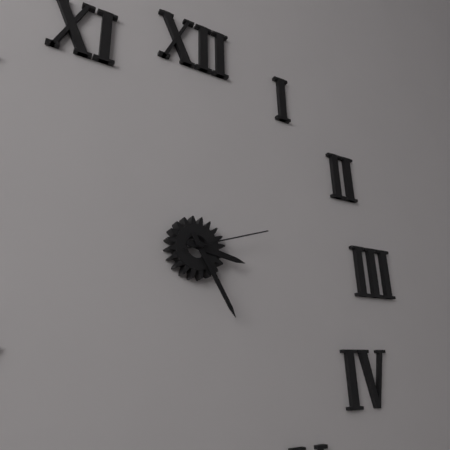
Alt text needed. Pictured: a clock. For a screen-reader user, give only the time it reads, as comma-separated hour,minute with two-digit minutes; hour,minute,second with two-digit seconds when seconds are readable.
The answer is 3,25,12
